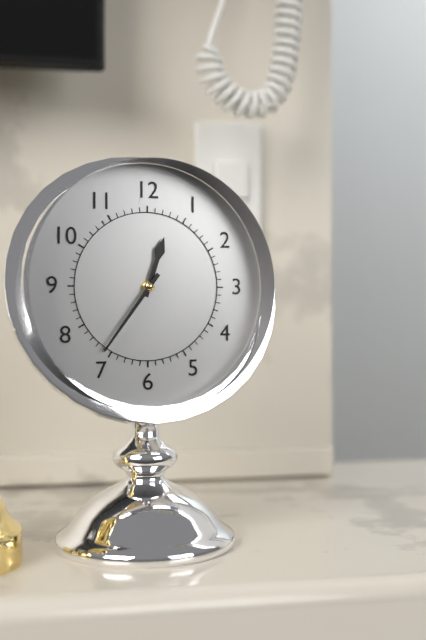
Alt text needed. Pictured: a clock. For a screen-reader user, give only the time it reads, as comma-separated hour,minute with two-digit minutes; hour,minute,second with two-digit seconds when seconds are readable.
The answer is 12,36
